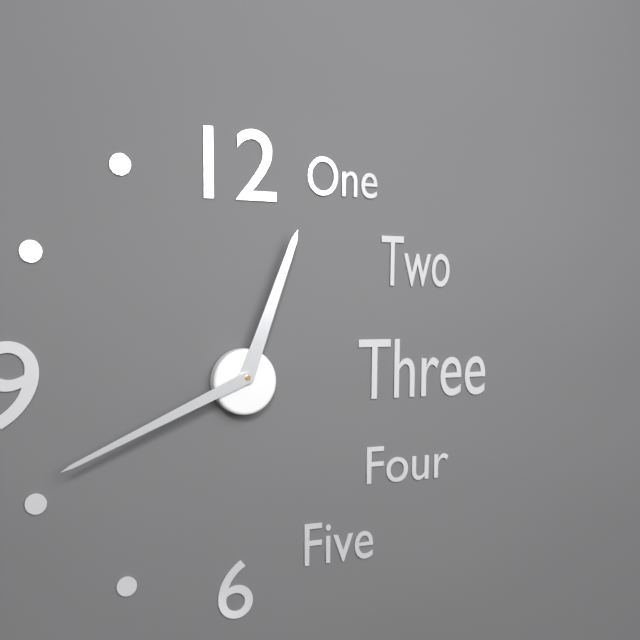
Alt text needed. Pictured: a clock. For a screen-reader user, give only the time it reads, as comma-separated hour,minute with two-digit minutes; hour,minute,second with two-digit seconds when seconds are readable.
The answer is 12,41
